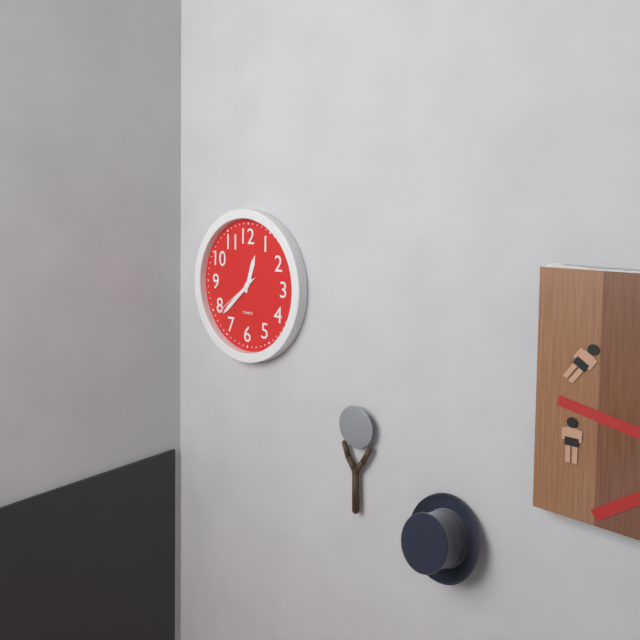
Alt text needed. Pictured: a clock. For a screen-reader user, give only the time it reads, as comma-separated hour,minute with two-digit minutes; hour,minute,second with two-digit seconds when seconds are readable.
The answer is 12,38,39
